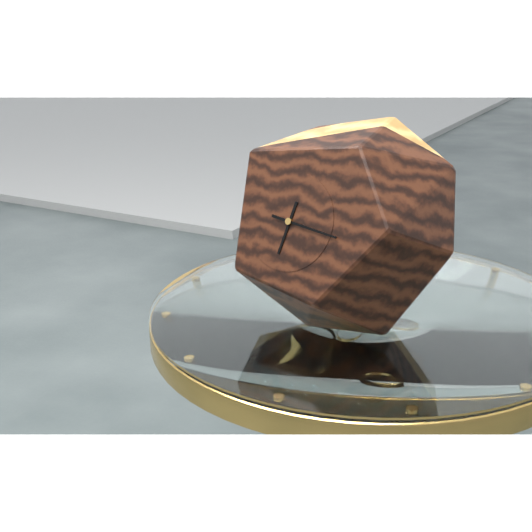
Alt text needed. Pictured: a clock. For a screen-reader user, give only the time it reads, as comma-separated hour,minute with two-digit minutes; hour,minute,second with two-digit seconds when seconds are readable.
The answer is 6,16
